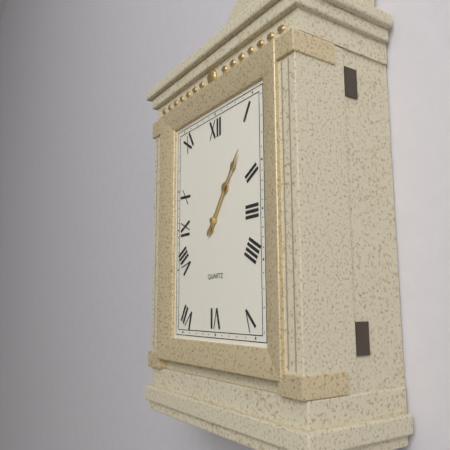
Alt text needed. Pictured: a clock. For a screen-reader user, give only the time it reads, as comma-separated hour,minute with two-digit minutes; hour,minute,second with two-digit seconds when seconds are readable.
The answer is 1,06
